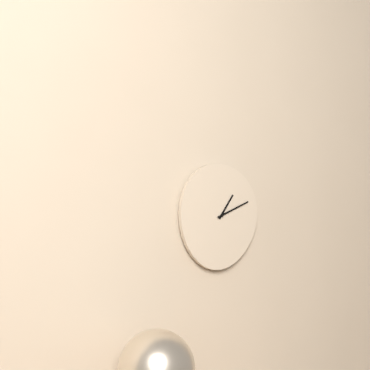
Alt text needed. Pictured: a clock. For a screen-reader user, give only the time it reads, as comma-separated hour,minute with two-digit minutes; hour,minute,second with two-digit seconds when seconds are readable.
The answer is 1,11
